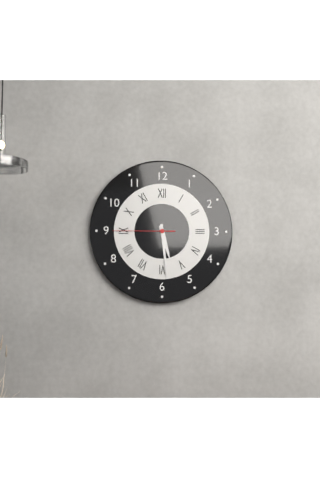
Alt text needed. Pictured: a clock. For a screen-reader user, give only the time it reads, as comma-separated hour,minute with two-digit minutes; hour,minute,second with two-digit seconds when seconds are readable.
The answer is 5,29,45
